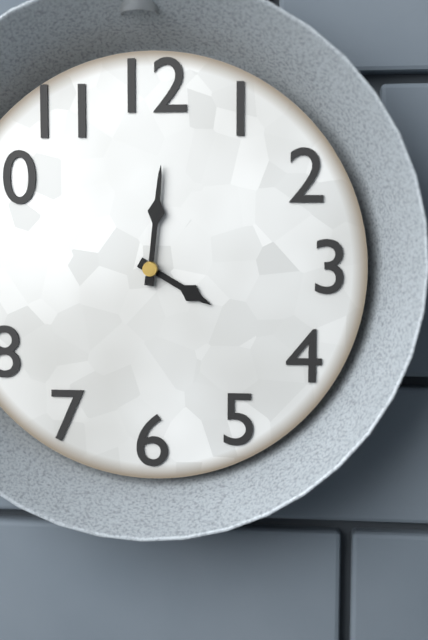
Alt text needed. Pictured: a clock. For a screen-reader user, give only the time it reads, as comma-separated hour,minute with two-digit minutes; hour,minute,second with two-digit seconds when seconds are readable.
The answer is 4,01
